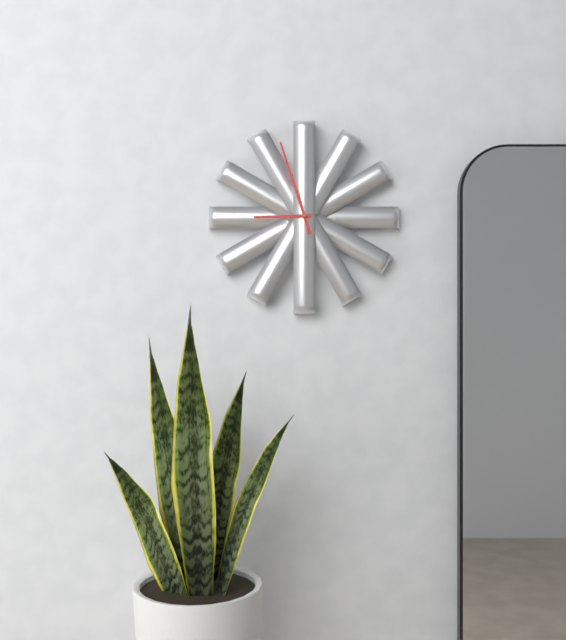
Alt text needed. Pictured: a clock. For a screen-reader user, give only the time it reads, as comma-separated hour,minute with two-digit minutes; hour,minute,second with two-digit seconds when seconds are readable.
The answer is 8,57
